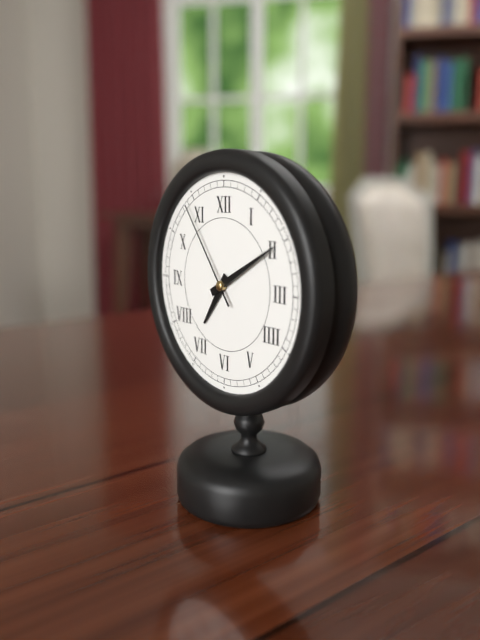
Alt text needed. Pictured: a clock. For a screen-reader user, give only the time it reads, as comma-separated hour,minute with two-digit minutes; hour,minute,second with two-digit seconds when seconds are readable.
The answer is 7,10,54
